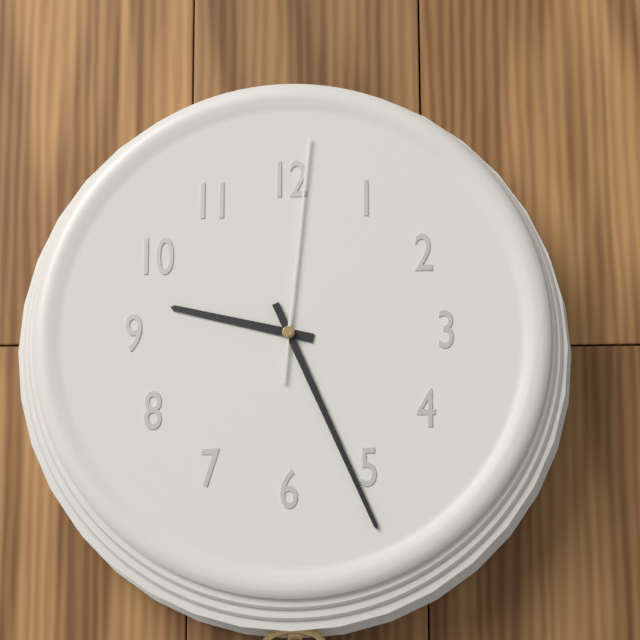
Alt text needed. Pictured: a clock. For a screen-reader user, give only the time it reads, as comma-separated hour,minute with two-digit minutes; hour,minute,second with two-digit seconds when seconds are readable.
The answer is 9,26,01
